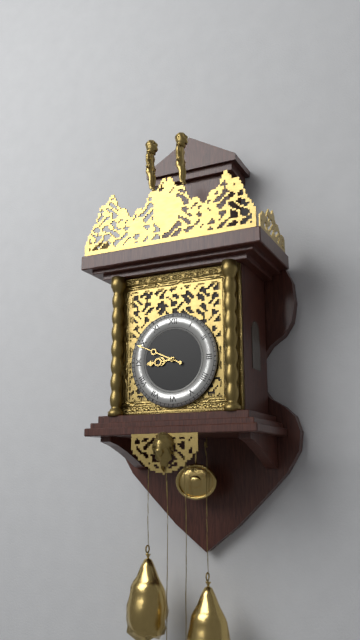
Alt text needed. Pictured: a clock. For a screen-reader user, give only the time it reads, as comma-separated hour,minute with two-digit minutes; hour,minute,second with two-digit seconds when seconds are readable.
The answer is 8,49
